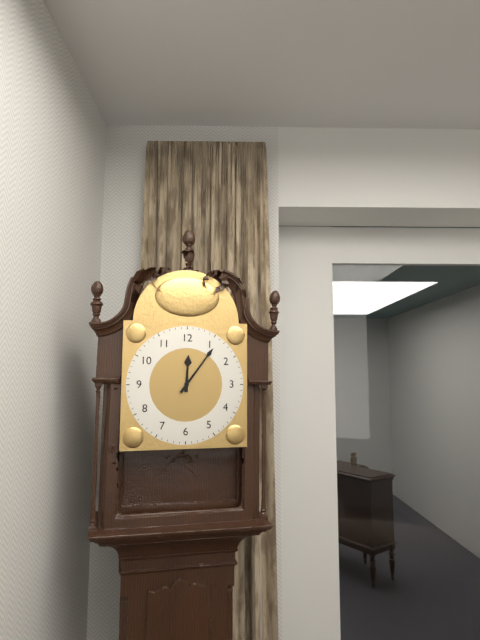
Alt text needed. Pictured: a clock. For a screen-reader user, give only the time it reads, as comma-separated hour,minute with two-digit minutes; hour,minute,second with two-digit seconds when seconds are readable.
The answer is 12,06
